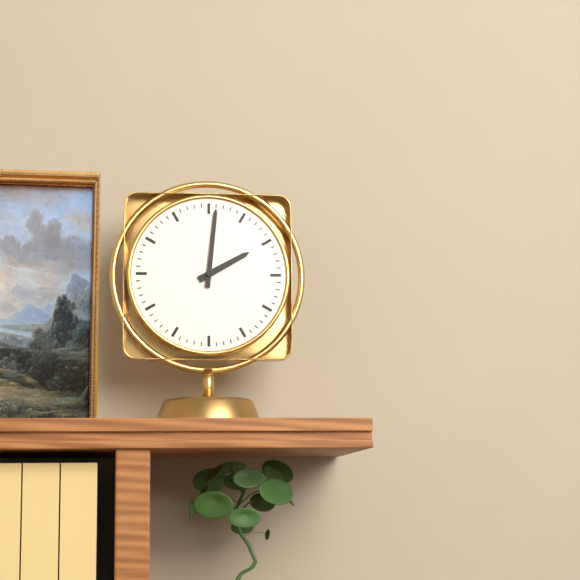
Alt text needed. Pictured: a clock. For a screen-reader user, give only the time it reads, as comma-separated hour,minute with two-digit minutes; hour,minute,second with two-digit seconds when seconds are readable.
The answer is 2,01
